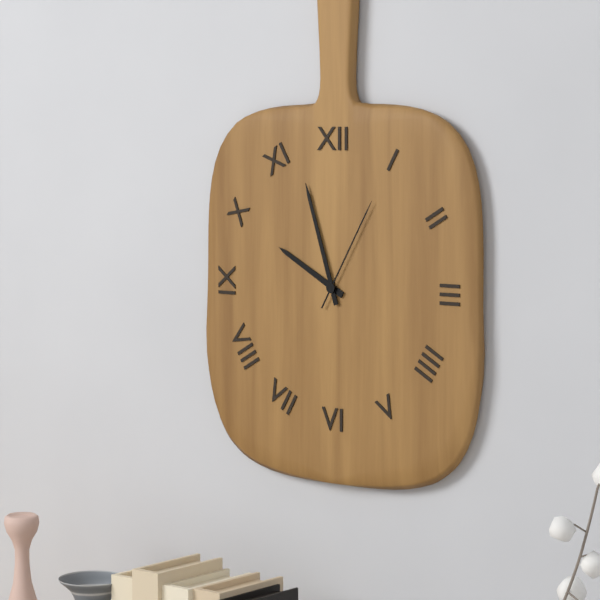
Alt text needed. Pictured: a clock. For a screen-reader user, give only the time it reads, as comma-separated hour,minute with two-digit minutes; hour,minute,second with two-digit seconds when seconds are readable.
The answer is 9,57,05
